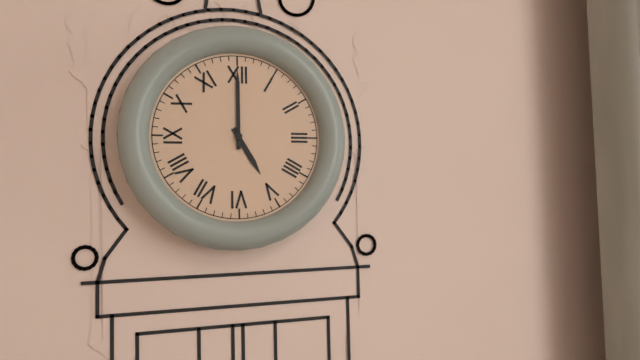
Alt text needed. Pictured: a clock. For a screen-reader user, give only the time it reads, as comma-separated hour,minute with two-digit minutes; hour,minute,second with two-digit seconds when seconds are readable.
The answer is 5,00
